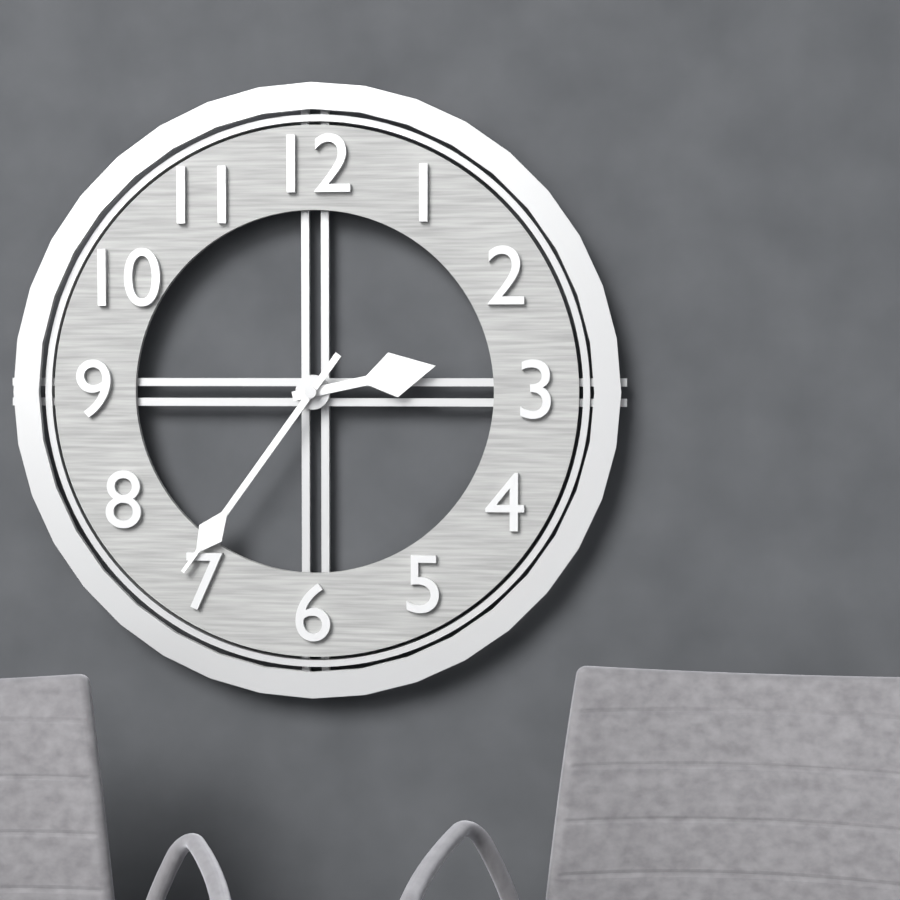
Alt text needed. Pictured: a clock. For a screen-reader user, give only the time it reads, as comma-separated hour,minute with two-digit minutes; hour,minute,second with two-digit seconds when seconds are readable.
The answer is 2,36
